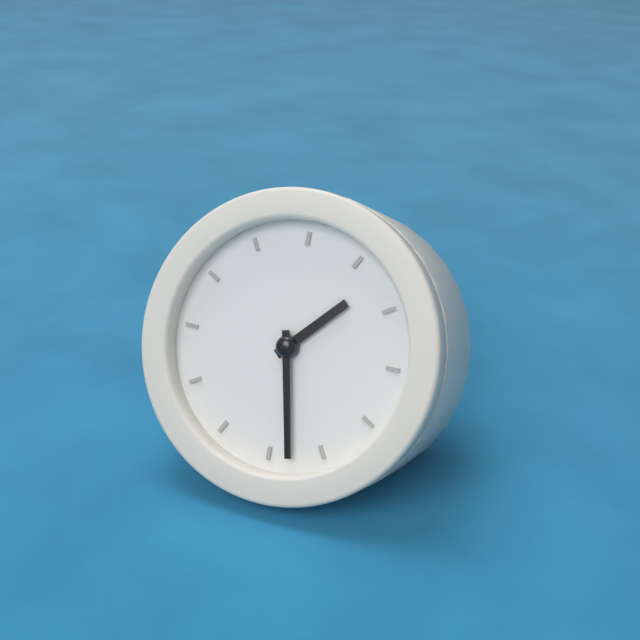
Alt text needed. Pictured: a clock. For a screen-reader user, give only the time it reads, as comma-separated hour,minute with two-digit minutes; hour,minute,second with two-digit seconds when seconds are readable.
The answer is 1,28
